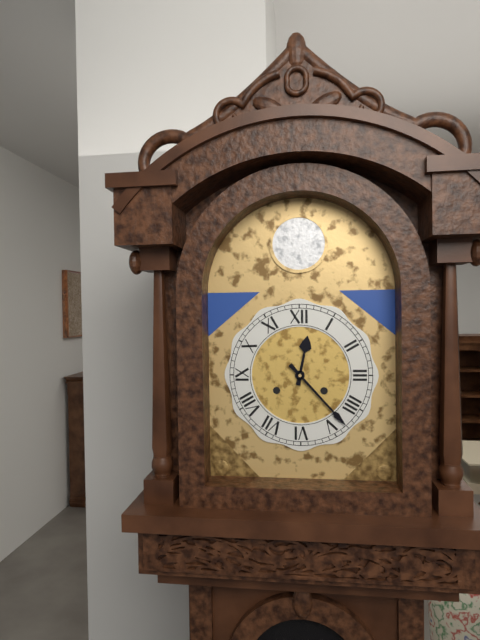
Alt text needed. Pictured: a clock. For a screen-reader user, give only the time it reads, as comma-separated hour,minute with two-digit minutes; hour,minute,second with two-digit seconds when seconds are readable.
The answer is 12,23
